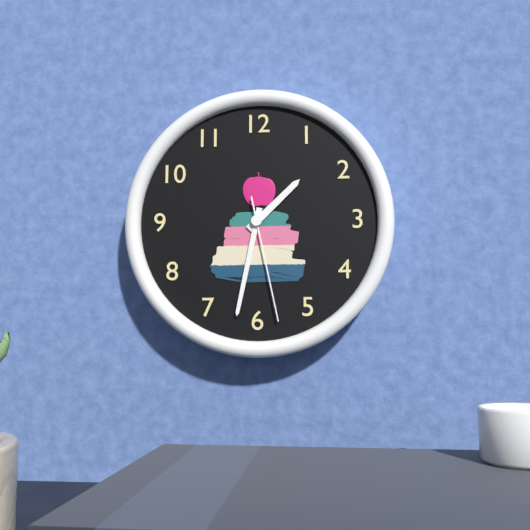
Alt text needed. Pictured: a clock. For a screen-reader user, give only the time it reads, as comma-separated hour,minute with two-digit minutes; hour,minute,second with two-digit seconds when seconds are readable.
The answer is 1,32,28
